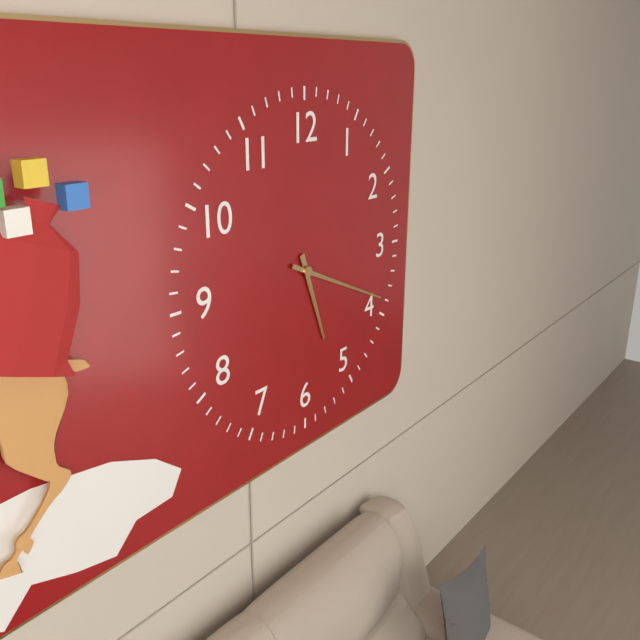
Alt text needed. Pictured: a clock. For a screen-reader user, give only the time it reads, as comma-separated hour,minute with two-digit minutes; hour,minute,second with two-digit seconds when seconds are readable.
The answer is 5,19
